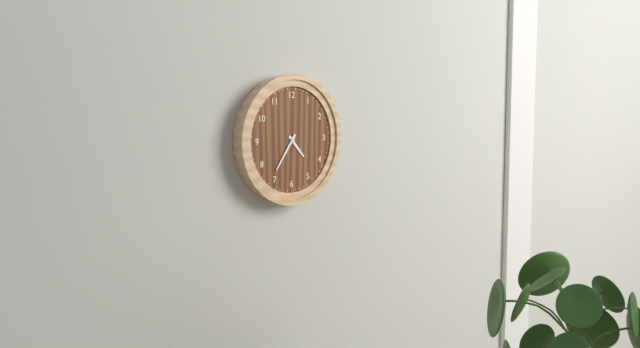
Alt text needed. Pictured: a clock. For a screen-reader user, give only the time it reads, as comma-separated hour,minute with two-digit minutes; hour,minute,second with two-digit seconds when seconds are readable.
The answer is 4,36
